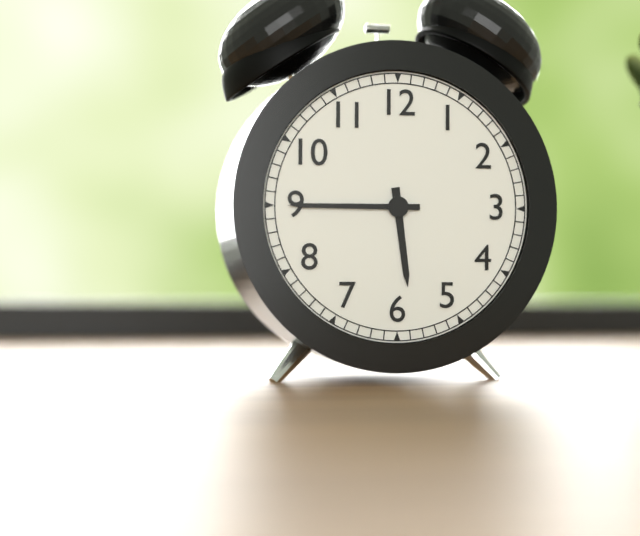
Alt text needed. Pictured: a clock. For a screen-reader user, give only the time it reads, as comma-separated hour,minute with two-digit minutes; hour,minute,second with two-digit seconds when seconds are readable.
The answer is 5,45
